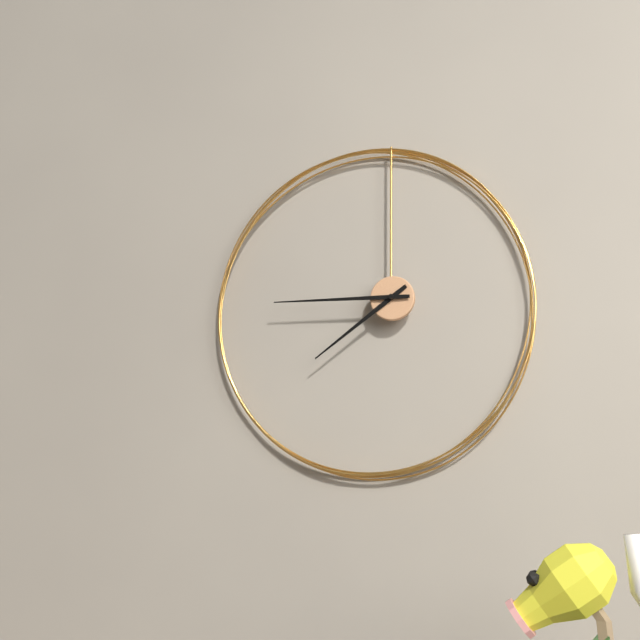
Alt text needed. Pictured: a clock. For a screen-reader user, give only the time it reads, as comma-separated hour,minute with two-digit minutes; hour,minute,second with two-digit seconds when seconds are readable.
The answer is 7,45
